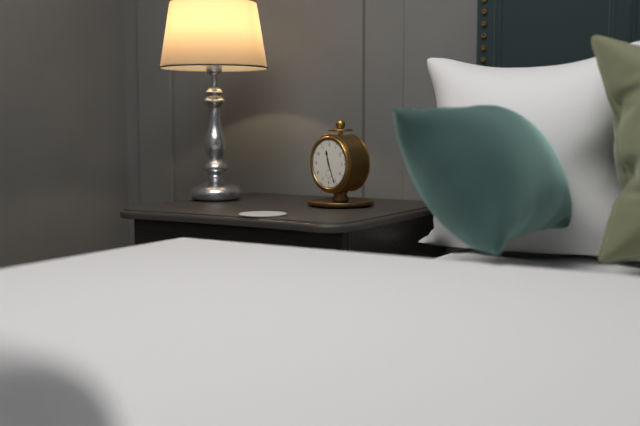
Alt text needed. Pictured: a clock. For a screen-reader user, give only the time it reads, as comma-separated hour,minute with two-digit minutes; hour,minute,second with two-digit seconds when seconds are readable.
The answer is 11,26
